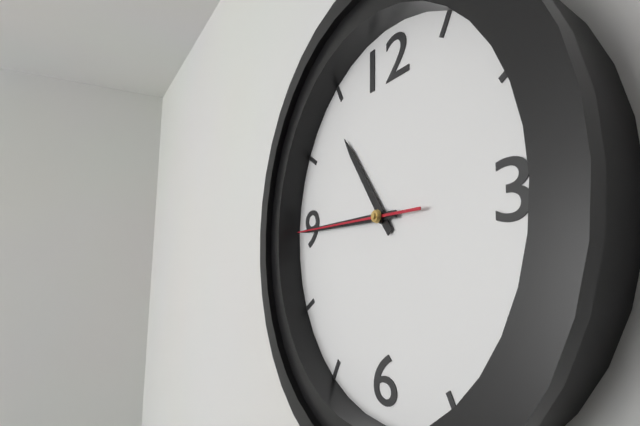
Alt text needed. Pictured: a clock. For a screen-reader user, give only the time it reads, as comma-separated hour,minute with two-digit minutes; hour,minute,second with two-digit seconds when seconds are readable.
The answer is 10,45,45
